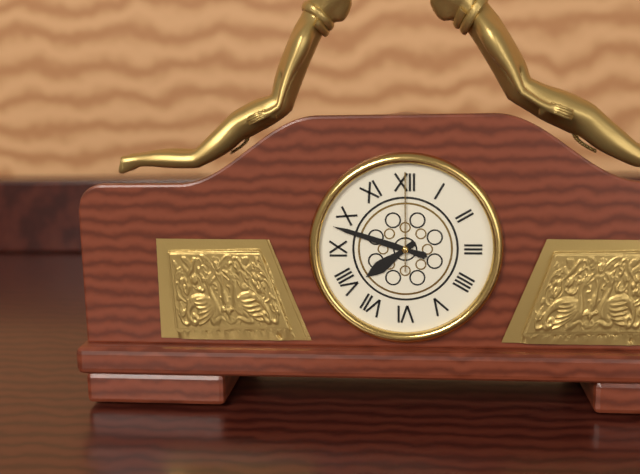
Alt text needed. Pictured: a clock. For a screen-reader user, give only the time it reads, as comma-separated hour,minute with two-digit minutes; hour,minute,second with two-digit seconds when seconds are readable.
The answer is 7,48,00
